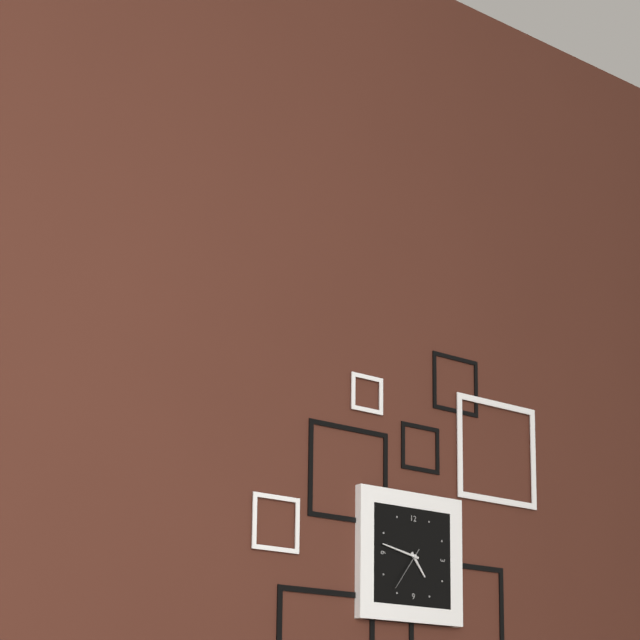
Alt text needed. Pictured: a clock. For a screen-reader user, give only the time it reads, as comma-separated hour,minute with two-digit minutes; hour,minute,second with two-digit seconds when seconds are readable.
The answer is 4,47
